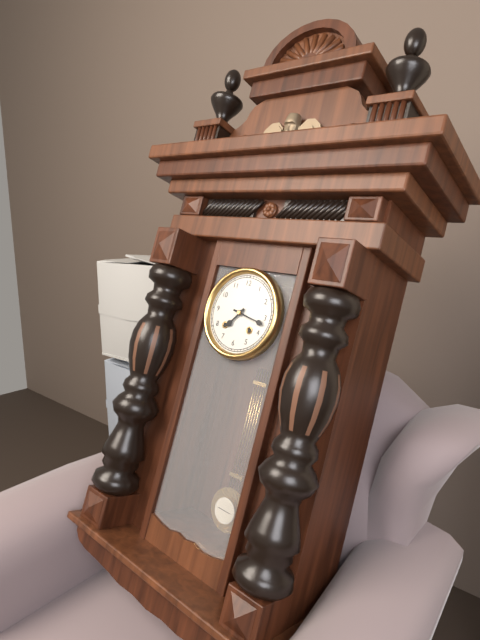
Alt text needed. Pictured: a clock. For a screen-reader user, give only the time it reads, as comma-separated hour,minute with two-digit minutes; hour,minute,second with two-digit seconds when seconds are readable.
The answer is 7,17
